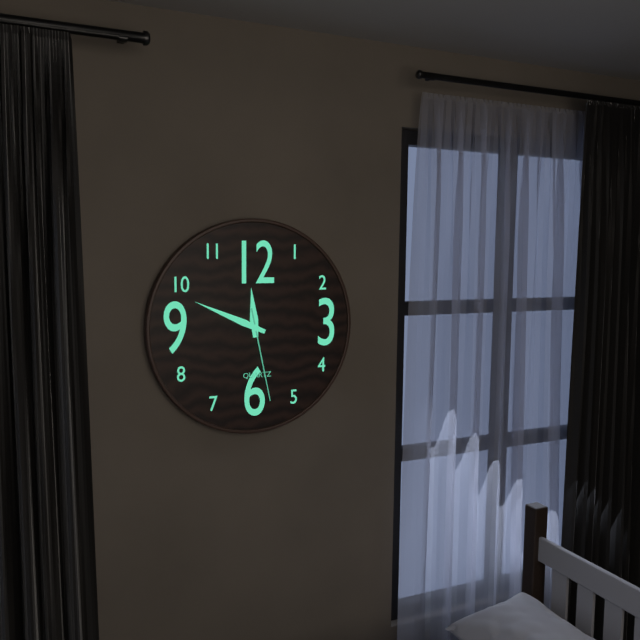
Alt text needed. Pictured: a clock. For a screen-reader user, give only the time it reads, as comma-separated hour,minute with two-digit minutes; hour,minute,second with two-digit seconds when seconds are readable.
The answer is 11,49,28
